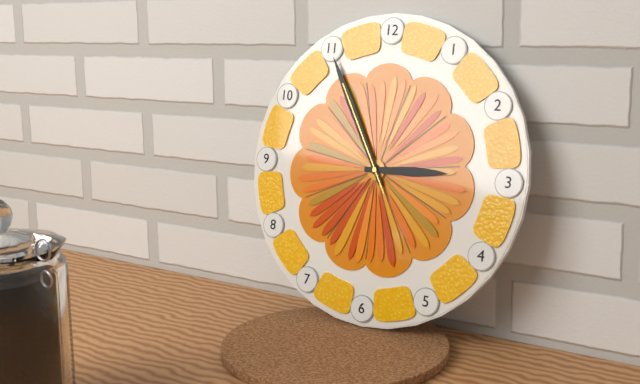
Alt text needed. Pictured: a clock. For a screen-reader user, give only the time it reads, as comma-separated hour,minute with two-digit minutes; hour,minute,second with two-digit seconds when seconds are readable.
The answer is 2,55,55
